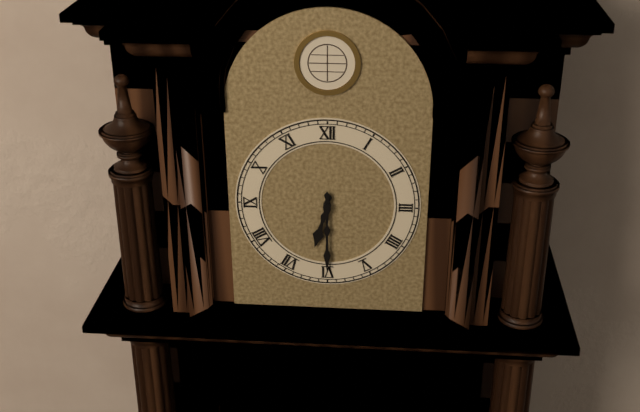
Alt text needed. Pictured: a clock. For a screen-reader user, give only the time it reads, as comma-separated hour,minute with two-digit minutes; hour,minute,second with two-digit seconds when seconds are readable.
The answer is 6,30
